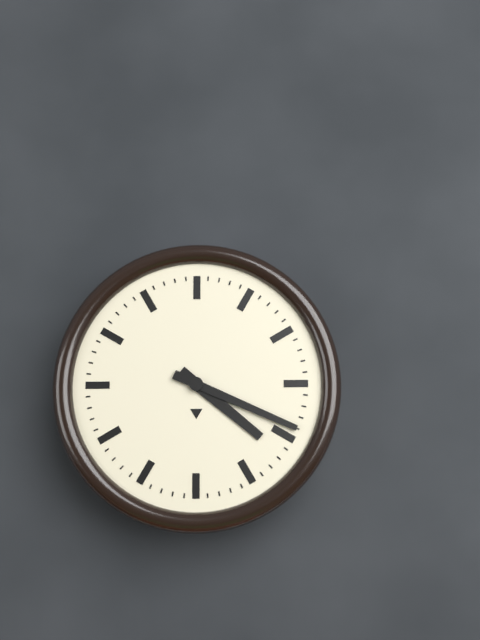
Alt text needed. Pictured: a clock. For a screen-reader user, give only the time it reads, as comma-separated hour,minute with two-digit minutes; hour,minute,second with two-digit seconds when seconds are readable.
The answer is 4,19
